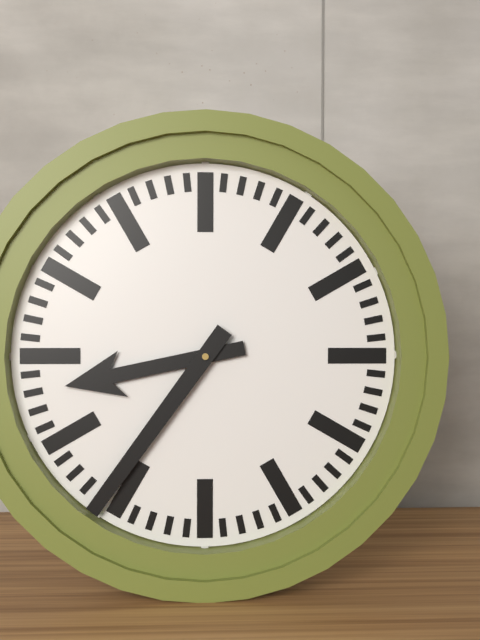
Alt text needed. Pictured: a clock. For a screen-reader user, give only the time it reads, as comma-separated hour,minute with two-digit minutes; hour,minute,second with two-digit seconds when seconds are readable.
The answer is 8,36
